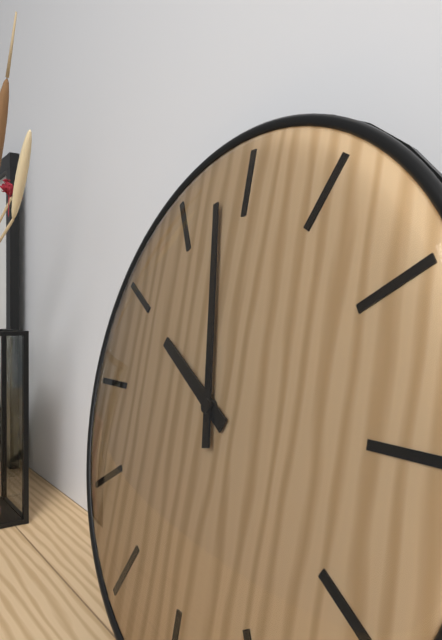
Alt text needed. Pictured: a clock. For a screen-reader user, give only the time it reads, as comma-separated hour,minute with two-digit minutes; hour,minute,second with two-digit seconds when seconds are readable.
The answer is 9,58
